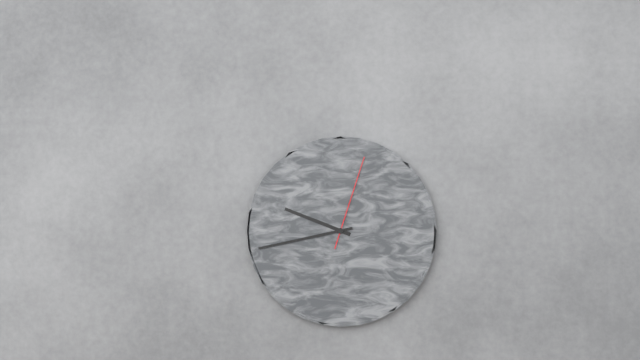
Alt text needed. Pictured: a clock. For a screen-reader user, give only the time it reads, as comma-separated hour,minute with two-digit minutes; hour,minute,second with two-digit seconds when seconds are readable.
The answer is 9,43,03
